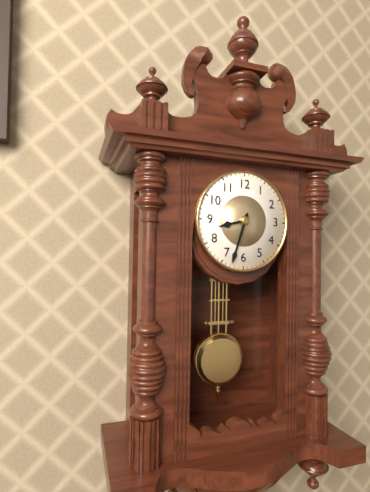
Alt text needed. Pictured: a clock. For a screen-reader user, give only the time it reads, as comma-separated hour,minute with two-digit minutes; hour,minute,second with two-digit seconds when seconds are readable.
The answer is 8,33
